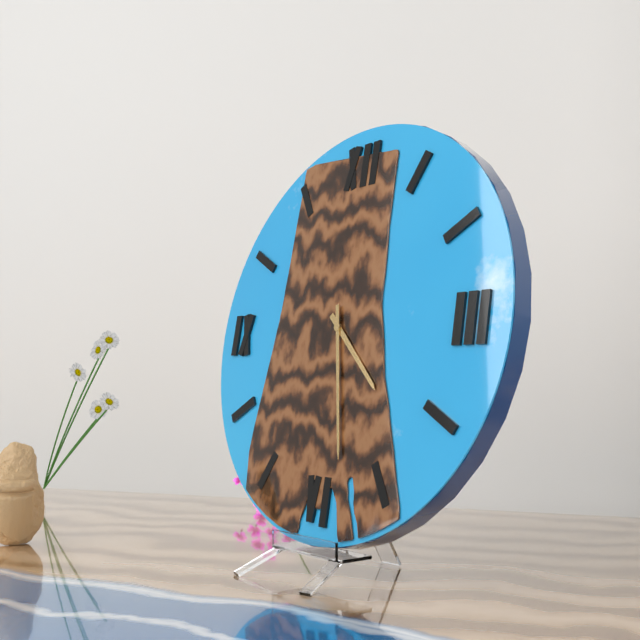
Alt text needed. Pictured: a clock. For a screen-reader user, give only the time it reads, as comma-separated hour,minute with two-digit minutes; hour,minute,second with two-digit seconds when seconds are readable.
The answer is 4,28
